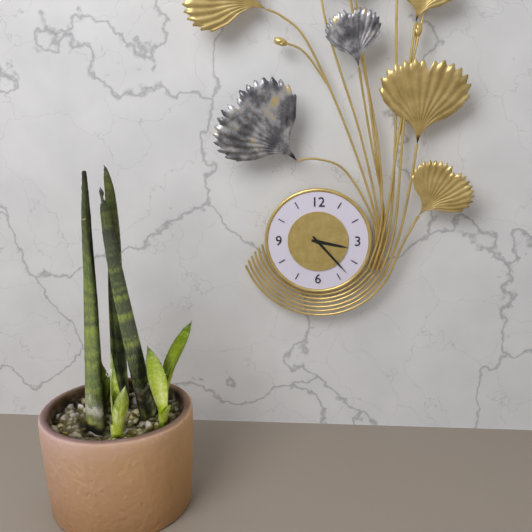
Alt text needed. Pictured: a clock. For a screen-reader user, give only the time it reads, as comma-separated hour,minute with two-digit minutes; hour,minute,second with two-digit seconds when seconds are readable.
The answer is 3,23
